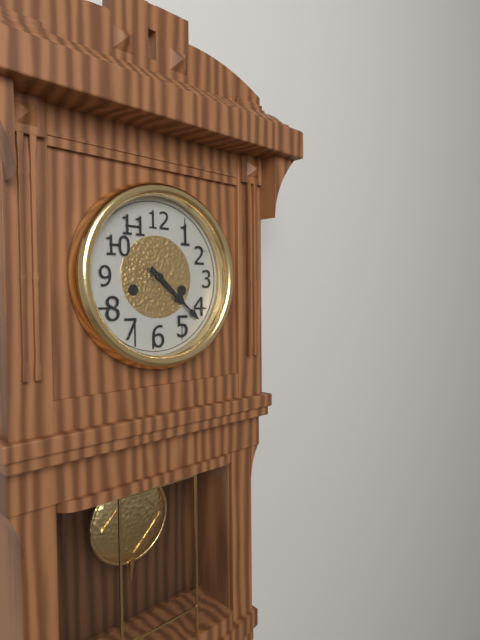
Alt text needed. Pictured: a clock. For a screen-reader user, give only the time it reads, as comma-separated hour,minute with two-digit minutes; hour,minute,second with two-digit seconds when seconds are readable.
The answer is 4,22
